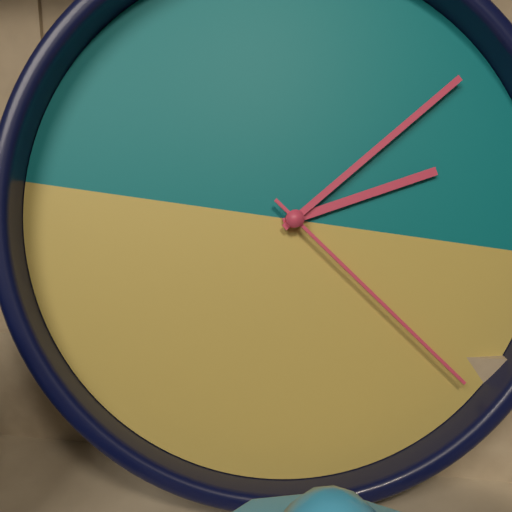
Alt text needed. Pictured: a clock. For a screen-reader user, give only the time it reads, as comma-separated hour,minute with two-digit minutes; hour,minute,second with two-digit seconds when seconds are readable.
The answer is 2,07,21
